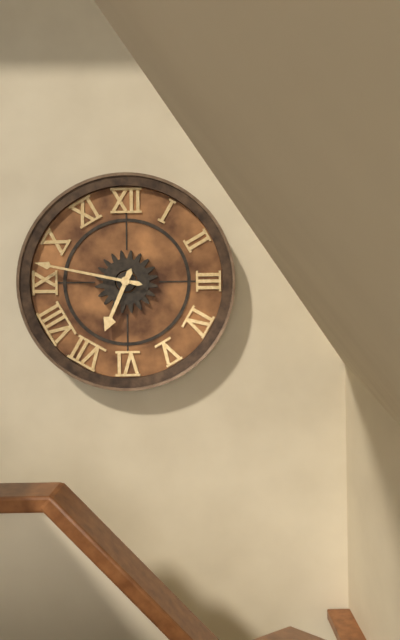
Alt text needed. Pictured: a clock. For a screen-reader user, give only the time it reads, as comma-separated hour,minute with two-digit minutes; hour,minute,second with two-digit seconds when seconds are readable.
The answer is 6,47
